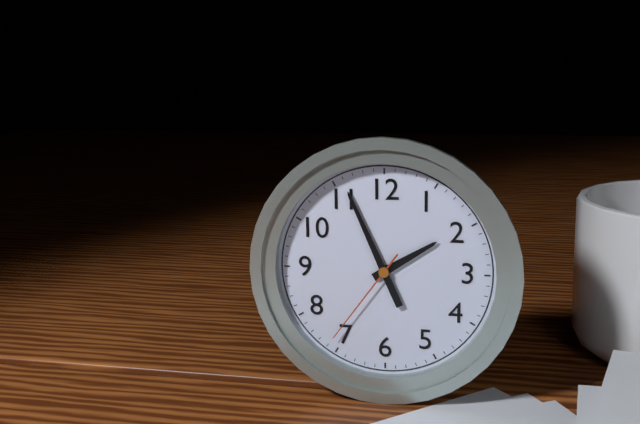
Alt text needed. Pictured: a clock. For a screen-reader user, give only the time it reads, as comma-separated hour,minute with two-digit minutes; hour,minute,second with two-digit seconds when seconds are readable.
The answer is 1,56,36
